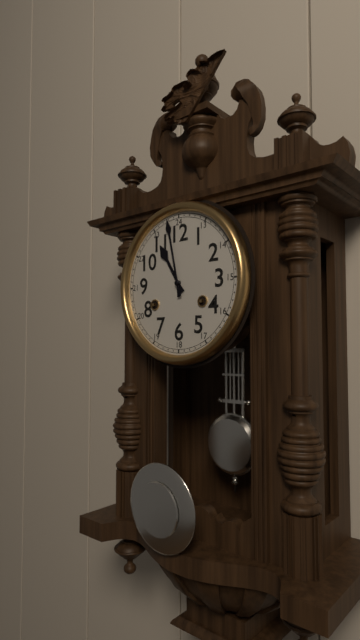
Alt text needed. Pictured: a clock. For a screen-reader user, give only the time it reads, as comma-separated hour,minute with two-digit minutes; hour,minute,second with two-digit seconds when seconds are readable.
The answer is 10,58
